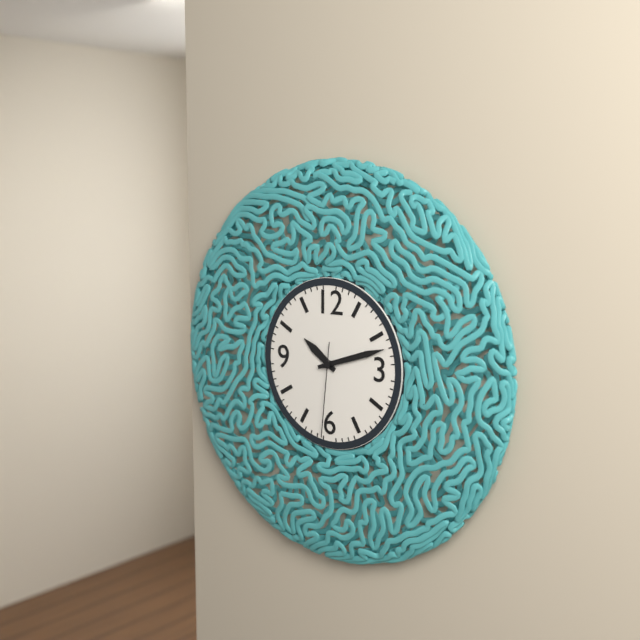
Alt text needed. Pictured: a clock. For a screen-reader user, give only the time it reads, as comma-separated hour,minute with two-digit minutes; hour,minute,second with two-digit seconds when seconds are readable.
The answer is 10,12,31
